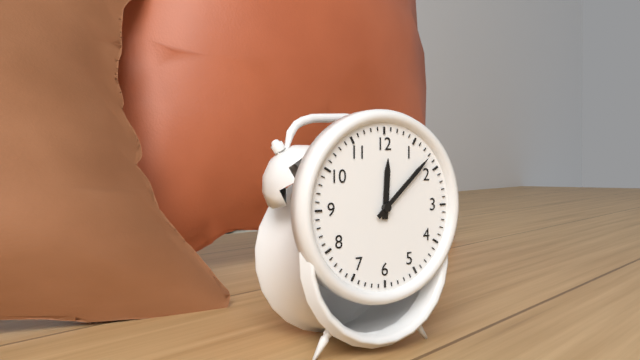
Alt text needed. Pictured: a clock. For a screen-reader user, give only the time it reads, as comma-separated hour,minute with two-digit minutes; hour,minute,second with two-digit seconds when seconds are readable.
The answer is 12,08
